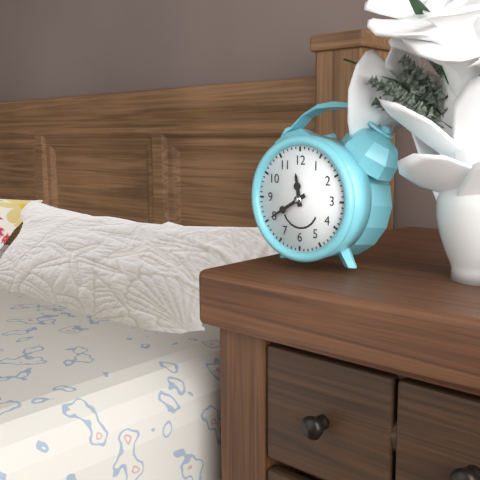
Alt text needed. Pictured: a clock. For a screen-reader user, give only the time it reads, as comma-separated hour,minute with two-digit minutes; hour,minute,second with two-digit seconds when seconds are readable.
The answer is 11,40
